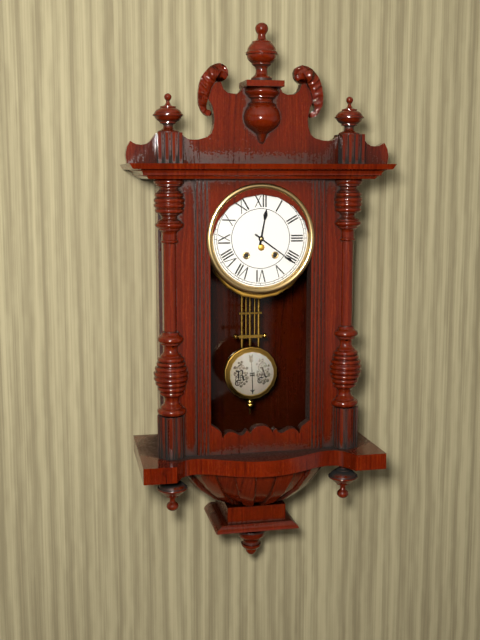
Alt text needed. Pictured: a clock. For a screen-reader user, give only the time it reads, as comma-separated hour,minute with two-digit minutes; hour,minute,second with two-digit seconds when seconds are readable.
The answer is 12,21
